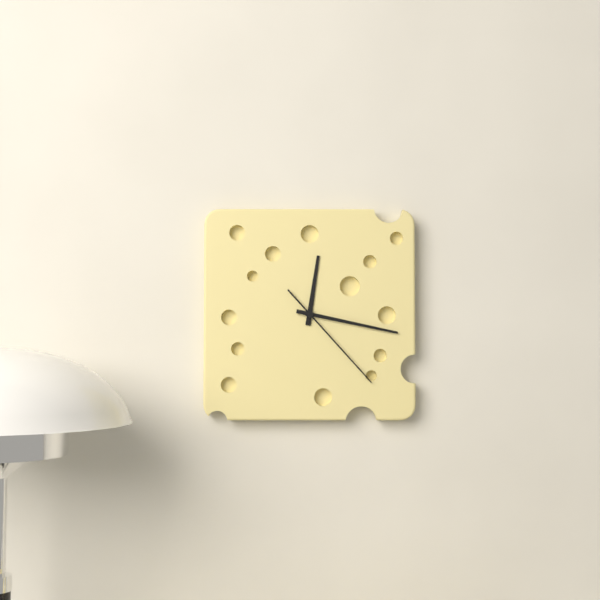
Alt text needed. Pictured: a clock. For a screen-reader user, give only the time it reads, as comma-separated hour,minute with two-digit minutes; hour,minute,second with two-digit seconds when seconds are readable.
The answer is 12,17,23
